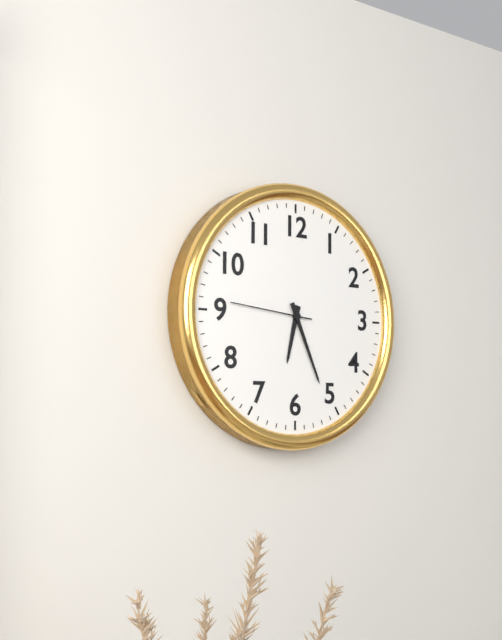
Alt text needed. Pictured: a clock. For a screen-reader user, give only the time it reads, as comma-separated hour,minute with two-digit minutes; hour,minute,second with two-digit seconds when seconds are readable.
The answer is 6,26,46
